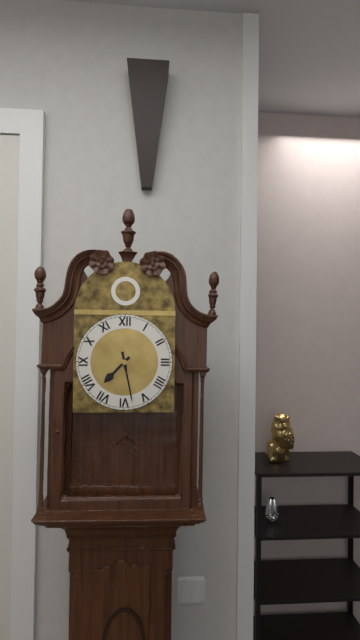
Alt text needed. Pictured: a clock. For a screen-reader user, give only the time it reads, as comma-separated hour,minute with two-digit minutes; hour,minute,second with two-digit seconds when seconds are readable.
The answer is 7,28
